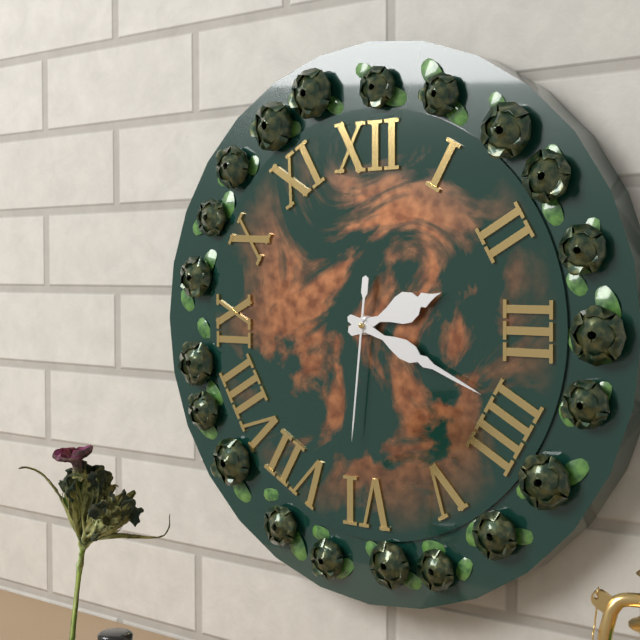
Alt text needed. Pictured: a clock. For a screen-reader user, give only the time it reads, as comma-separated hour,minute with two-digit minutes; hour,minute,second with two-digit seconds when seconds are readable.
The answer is 2,19,31
